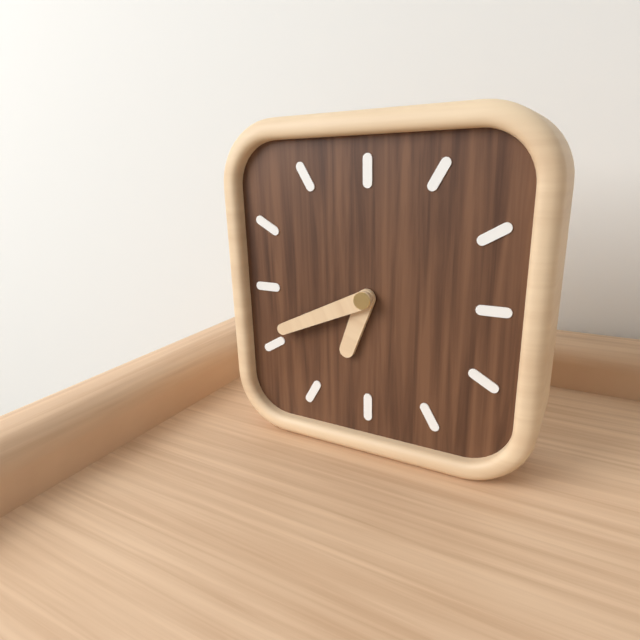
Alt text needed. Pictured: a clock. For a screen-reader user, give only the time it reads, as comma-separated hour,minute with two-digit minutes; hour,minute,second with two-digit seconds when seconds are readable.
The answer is 6,41
